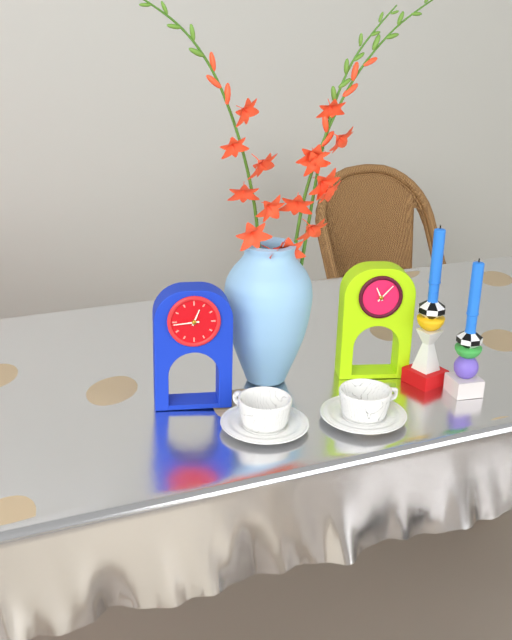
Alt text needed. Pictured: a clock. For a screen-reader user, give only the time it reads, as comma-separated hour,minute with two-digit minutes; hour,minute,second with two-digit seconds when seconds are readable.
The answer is 12,44
